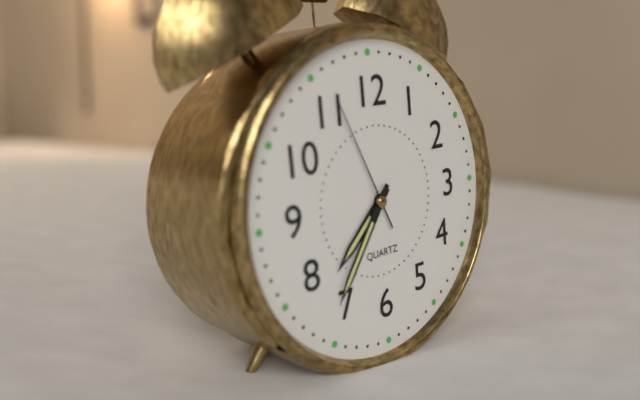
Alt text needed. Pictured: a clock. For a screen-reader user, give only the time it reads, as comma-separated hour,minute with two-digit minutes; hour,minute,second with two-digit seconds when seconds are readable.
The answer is 7,36,56
